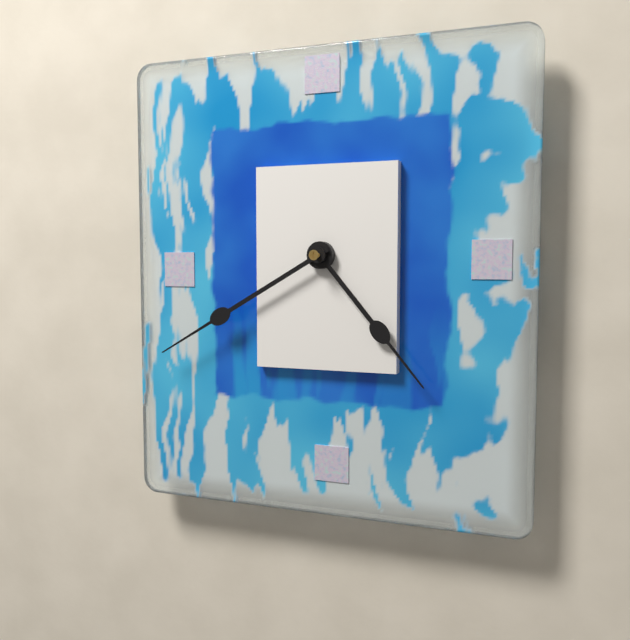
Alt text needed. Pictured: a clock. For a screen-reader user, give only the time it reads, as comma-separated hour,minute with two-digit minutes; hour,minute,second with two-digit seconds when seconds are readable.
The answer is 4,40
